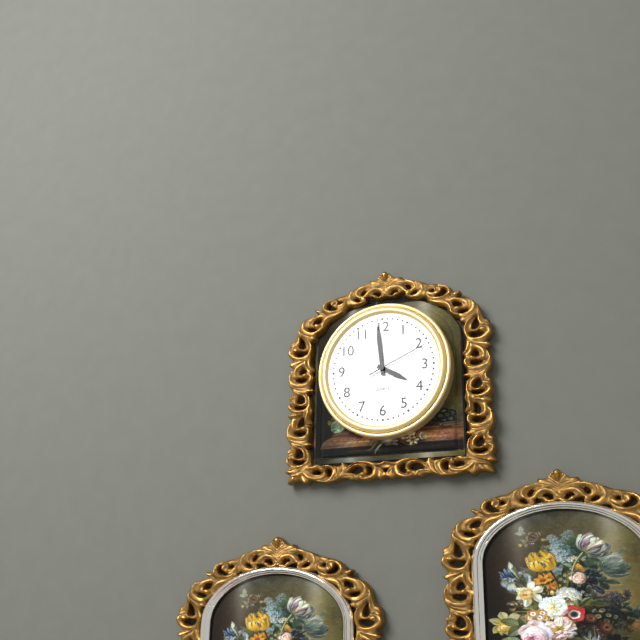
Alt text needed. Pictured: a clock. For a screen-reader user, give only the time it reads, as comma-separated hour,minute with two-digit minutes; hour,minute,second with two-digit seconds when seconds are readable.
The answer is 3,59,11
